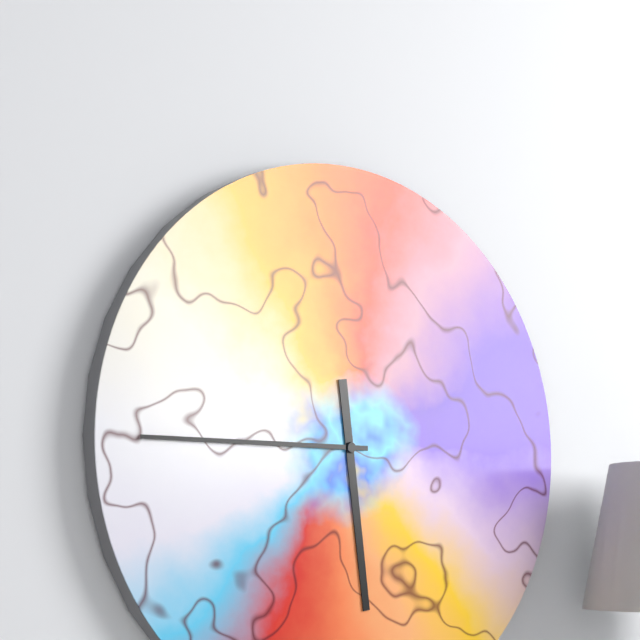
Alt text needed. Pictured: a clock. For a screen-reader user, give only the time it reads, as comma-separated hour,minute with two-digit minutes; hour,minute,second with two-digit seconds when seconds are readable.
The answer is 5,45
